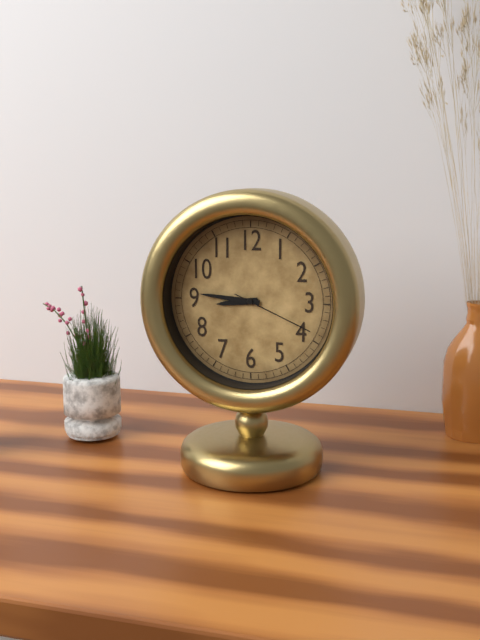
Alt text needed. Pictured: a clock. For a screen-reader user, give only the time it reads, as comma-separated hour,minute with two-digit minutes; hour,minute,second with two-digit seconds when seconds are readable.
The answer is 8,46,19
